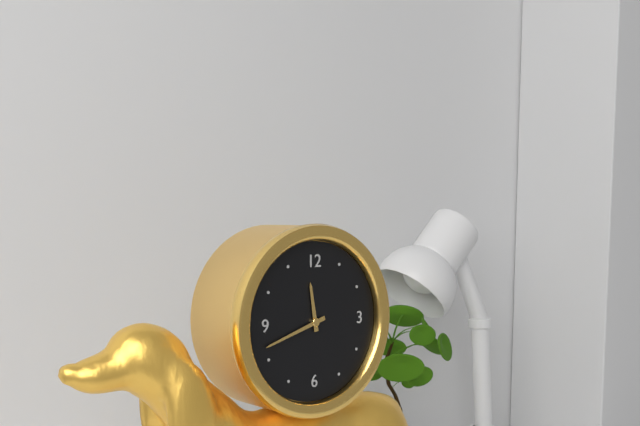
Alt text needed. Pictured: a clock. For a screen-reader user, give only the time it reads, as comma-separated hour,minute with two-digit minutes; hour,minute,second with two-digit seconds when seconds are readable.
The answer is 11,42
